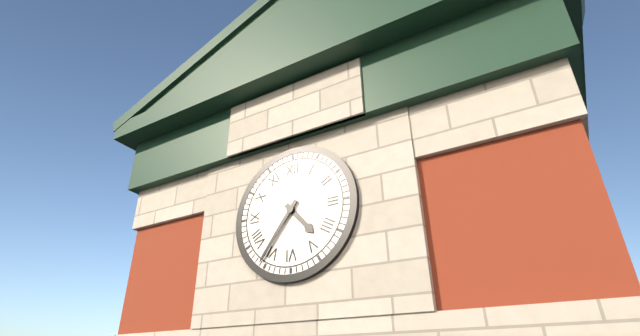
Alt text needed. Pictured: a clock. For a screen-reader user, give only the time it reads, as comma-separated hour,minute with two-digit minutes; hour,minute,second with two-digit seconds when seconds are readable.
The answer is 4,36
